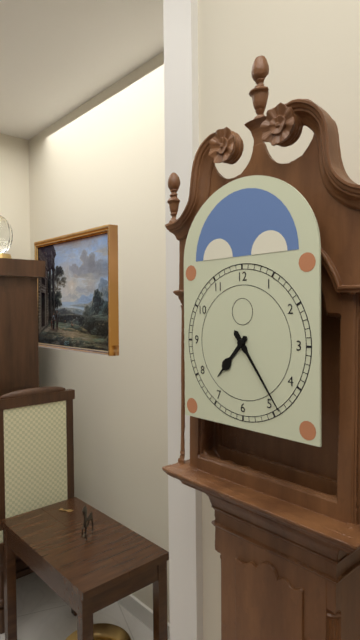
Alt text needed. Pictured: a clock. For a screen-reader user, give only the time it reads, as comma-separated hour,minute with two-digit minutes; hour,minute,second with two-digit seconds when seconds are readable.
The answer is 7,24
